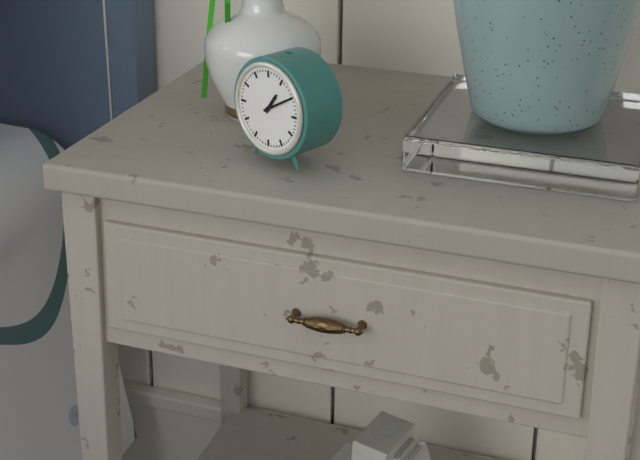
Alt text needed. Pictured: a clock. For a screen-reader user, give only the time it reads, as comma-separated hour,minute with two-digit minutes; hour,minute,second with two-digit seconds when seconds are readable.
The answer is 1,10
